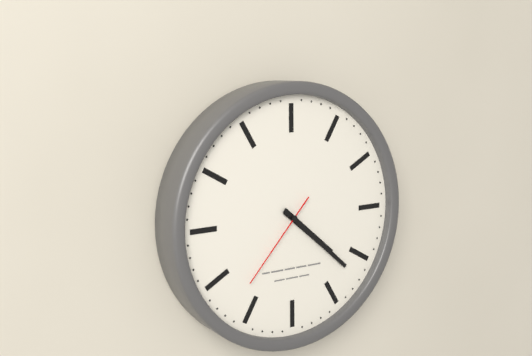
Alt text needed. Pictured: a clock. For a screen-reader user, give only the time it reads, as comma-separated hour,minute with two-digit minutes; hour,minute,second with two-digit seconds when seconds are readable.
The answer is 4,22,37
